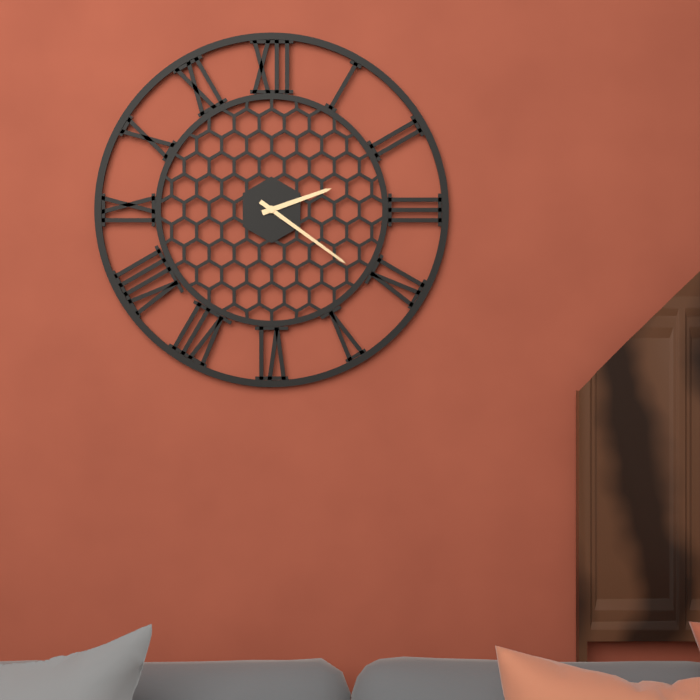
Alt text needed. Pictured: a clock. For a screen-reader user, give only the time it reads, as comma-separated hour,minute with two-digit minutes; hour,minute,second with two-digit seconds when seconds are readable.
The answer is 2,21
